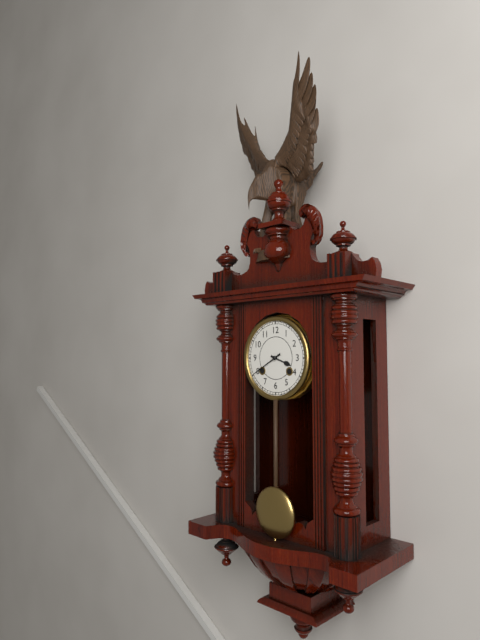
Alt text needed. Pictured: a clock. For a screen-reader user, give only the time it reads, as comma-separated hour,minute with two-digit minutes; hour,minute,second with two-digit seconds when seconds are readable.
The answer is 3,40
